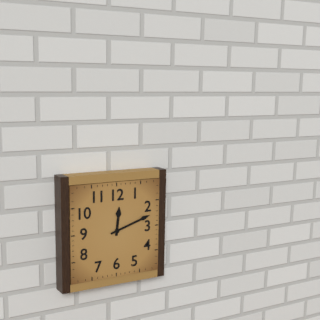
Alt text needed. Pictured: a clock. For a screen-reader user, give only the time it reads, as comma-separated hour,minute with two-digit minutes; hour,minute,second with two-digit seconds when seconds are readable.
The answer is 12,12
